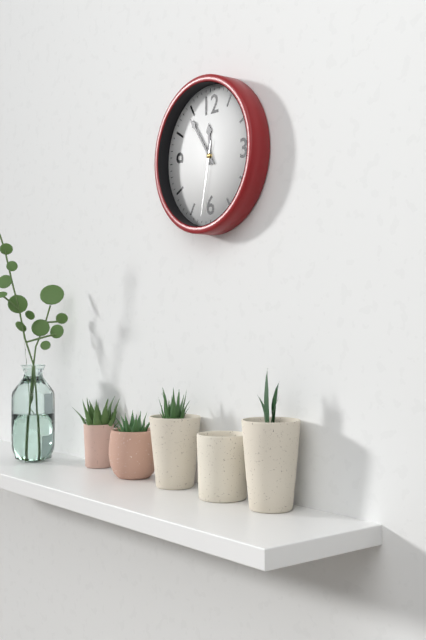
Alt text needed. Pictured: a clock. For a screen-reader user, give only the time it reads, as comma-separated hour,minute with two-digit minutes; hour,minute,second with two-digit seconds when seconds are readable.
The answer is 11,54,32
